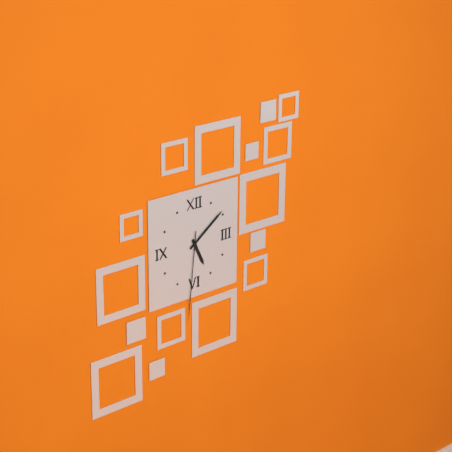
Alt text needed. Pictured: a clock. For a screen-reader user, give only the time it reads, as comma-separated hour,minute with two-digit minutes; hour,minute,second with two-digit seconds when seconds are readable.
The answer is 5,09,31
